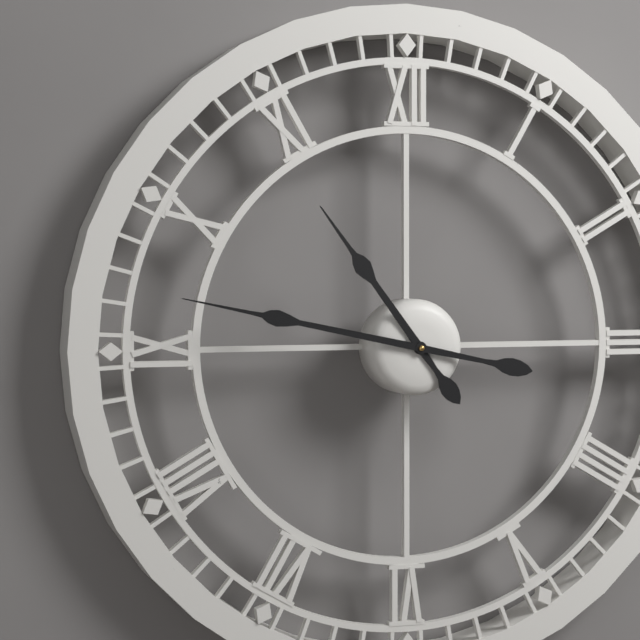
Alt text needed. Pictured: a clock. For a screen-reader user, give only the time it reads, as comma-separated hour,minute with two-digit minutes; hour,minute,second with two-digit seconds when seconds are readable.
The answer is 10,47
